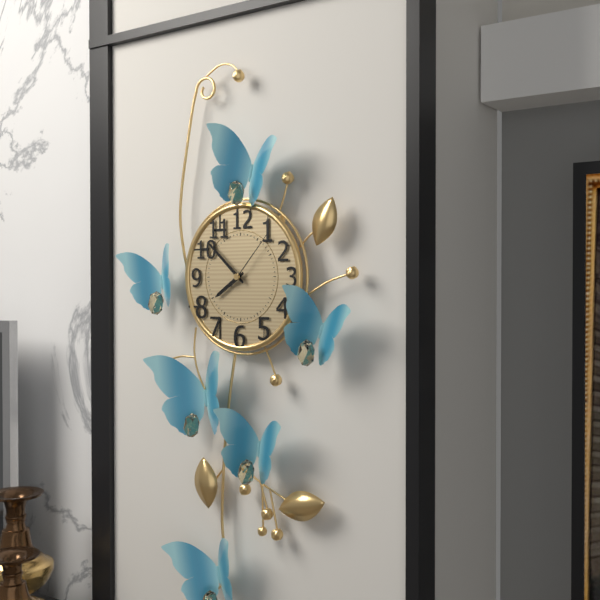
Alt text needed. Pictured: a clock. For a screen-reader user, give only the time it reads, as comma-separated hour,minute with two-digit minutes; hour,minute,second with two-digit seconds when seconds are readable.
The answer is 7,52,07
